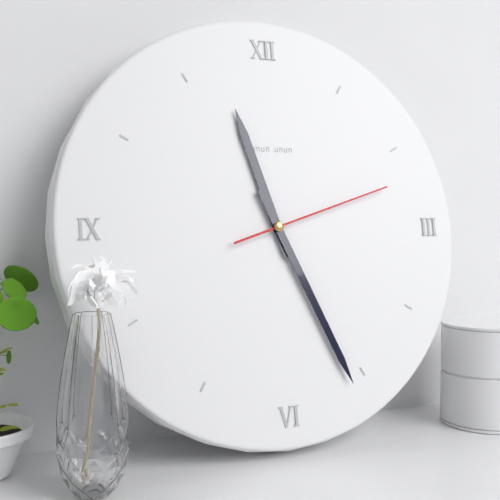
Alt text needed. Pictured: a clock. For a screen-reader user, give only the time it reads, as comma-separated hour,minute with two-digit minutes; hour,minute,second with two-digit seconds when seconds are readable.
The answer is 11,26,12
